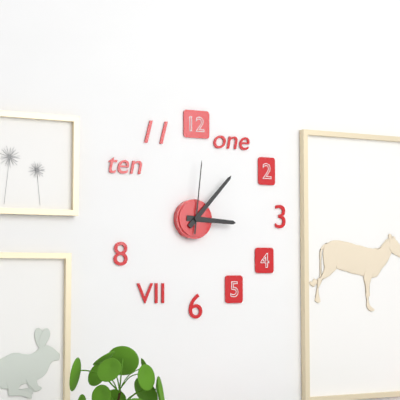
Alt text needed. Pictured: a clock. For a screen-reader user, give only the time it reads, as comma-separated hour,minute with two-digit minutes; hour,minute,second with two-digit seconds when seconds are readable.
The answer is 3,07,01
